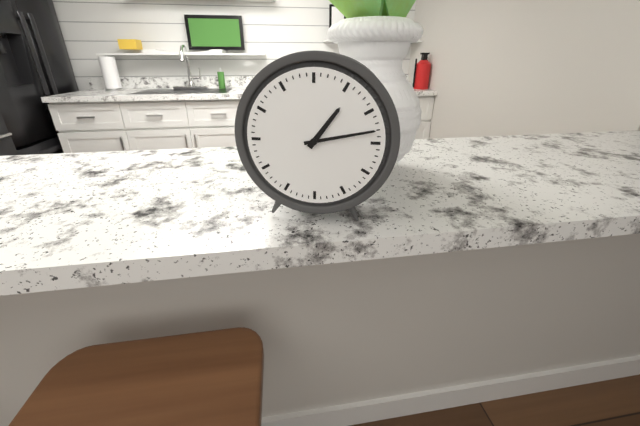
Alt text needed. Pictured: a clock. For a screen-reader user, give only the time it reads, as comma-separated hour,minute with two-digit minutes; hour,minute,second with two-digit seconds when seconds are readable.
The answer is 1,13
